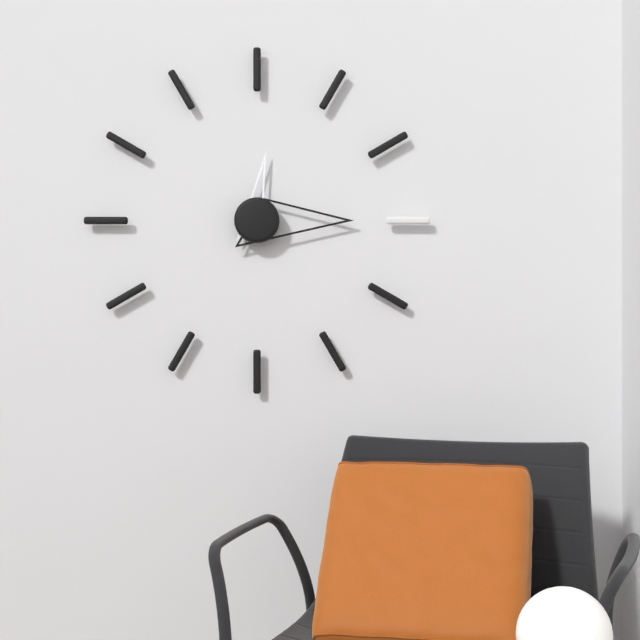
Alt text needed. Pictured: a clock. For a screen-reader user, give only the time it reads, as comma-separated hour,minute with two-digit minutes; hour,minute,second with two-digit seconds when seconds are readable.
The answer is 12,15
